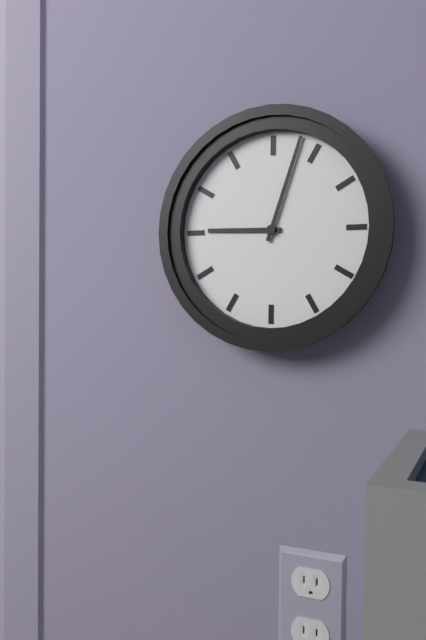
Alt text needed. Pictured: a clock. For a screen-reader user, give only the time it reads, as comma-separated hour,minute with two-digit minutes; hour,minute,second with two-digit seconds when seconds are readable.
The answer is 9,03
